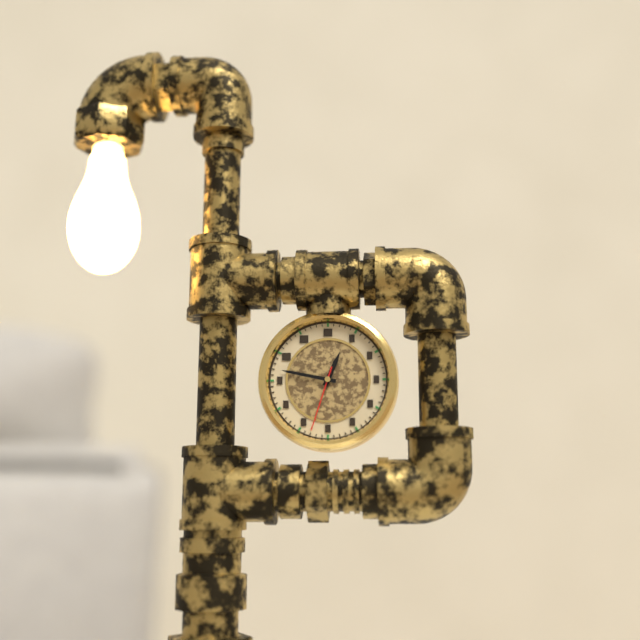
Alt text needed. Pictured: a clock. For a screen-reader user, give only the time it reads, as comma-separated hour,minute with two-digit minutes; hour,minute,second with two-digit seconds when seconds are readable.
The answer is 12,47,33
